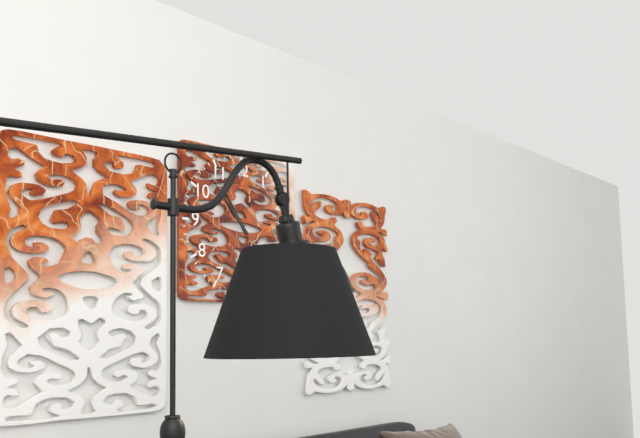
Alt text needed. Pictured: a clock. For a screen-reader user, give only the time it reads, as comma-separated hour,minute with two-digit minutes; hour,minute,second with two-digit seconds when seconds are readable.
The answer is 10,53
